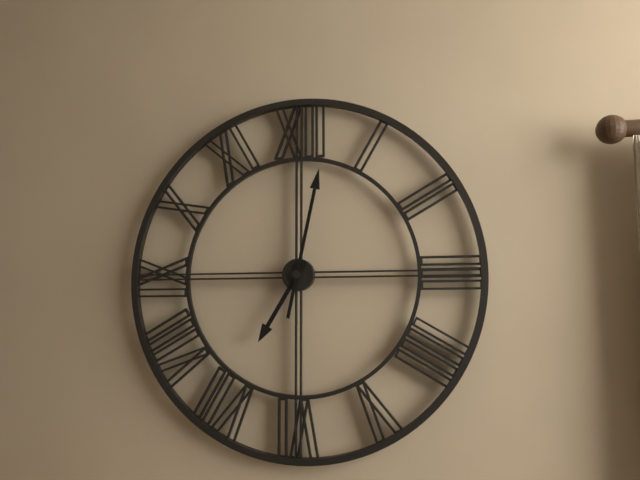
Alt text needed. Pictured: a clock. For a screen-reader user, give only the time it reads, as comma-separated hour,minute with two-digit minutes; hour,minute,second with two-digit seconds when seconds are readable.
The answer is 7,02
